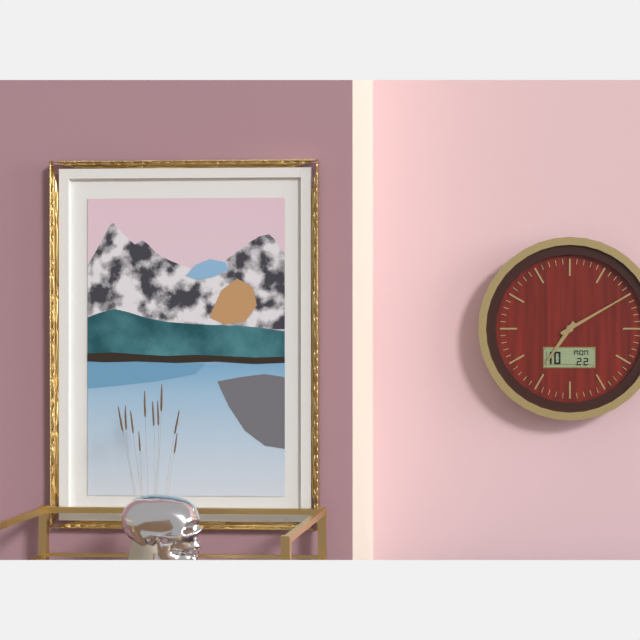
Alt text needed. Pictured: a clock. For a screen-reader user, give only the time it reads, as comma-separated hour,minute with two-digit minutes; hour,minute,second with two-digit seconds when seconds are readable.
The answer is 7,10
